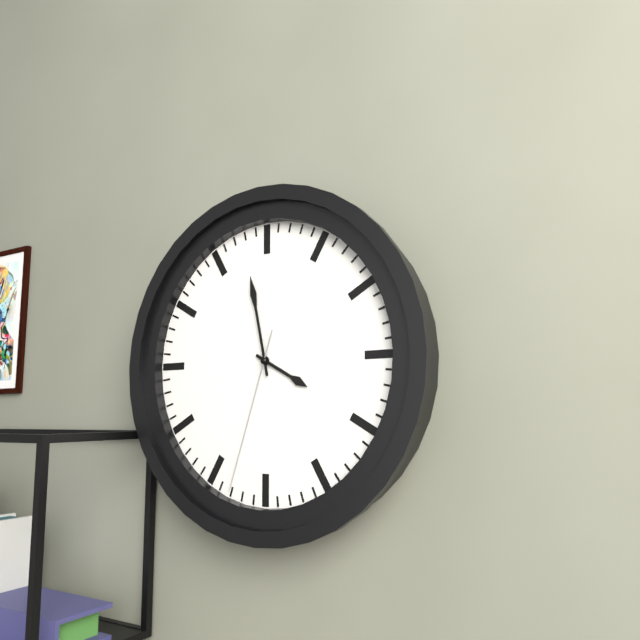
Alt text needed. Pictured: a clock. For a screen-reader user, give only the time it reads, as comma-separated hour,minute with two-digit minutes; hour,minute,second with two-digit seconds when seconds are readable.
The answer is 3,58,33
